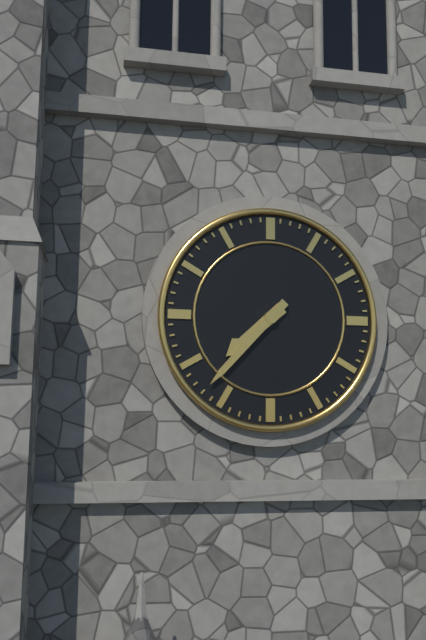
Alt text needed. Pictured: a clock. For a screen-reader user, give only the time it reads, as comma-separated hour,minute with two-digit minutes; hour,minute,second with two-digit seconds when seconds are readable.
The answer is 7,37
